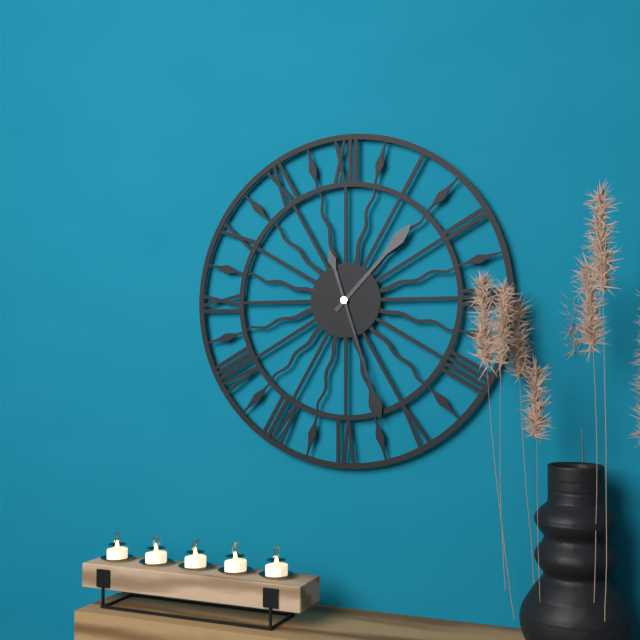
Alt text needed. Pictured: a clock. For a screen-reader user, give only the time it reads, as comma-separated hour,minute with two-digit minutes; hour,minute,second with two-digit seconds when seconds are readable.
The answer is 1,27
